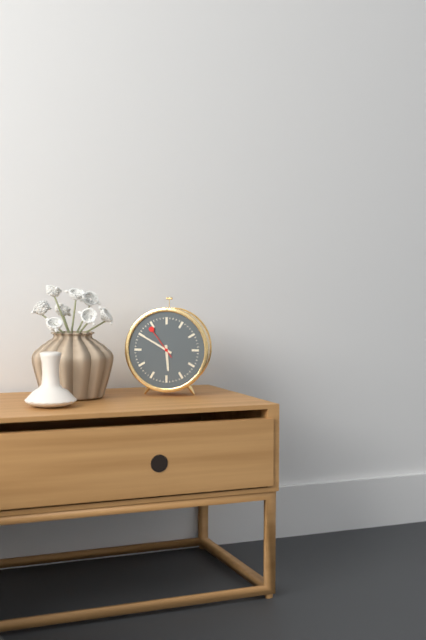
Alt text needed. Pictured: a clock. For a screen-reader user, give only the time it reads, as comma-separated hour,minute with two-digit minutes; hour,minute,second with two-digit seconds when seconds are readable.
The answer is 5,50
